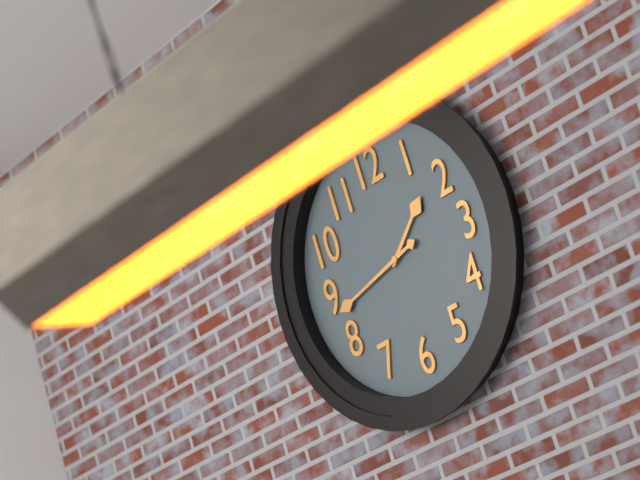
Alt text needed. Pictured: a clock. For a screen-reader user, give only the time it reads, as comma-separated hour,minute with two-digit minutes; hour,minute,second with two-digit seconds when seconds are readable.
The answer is 1,43
